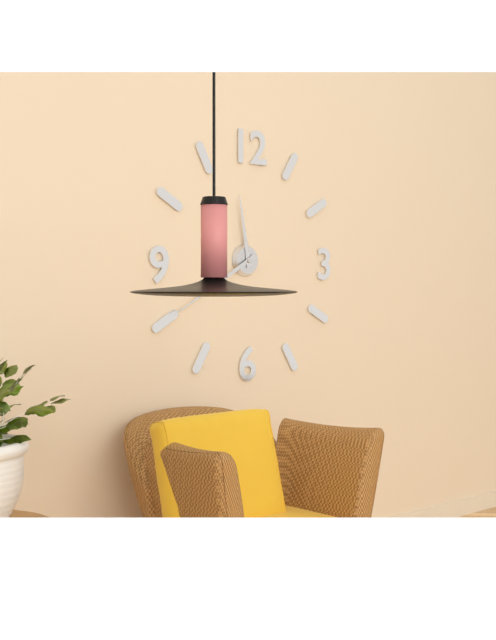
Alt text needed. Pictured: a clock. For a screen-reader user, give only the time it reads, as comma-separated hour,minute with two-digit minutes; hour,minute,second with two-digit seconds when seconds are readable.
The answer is 11,40
